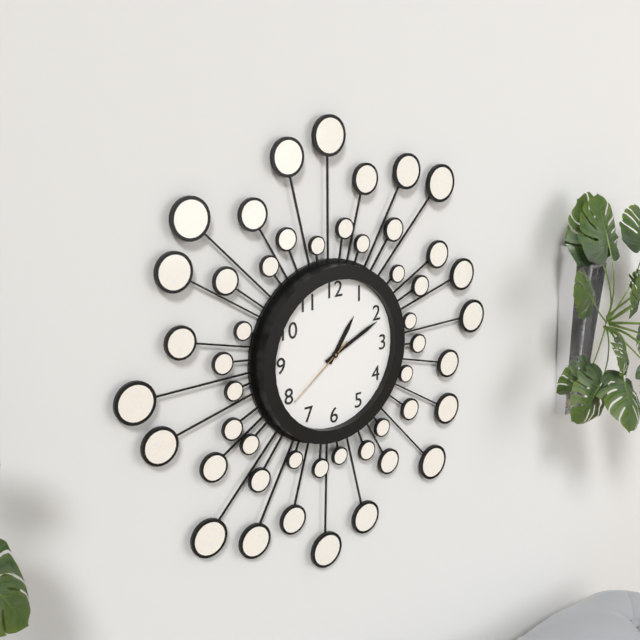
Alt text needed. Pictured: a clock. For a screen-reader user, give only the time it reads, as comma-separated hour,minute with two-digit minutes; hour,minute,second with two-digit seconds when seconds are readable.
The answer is 1,11,39
